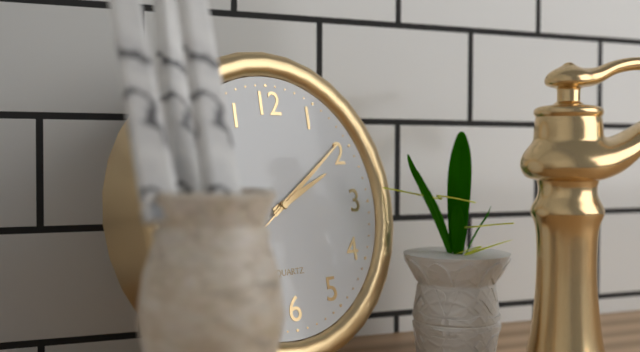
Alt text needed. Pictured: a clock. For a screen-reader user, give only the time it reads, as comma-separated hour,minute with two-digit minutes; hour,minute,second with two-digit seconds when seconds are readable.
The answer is 2,09
